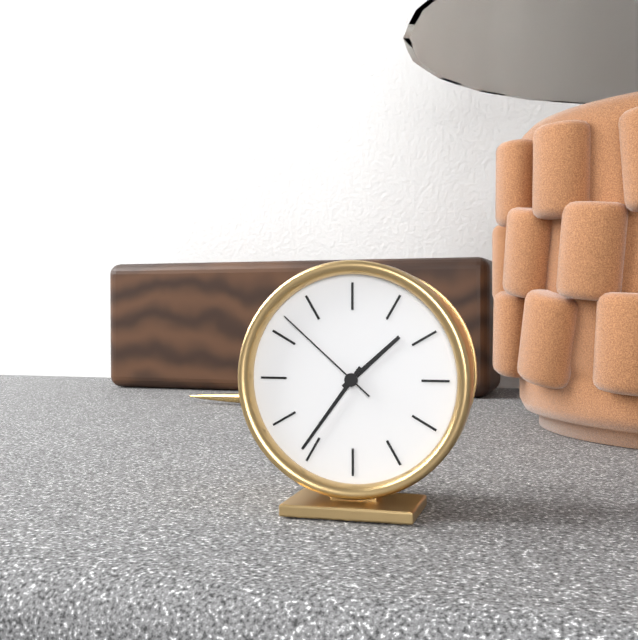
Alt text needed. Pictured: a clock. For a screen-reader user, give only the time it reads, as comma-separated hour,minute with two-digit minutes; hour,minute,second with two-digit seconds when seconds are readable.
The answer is 1,36,52
